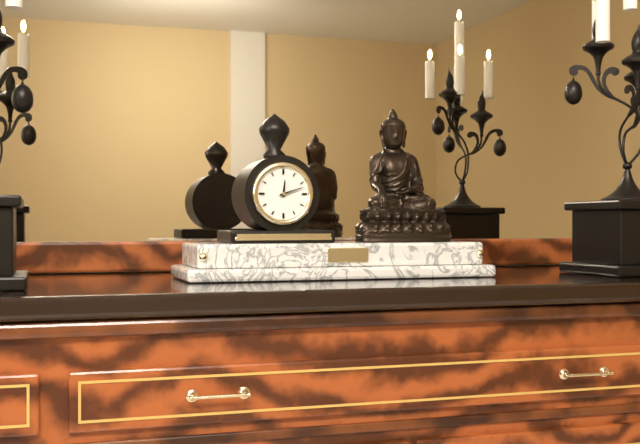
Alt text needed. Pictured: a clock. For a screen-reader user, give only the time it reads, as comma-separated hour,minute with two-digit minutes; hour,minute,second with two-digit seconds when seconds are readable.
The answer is 12,12
